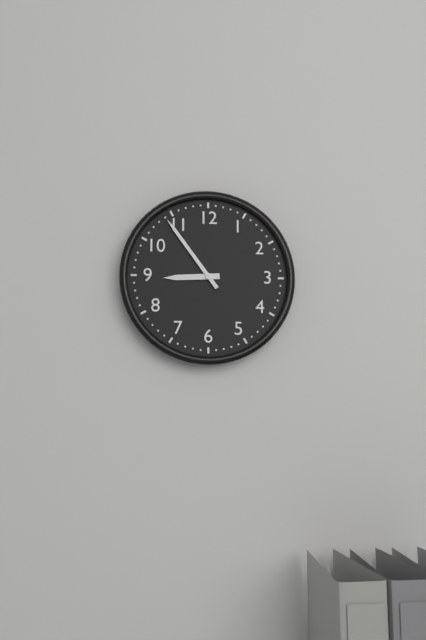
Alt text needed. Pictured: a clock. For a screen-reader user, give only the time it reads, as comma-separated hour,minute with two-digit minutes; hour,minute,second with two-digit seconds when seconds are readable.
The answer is 8,54
